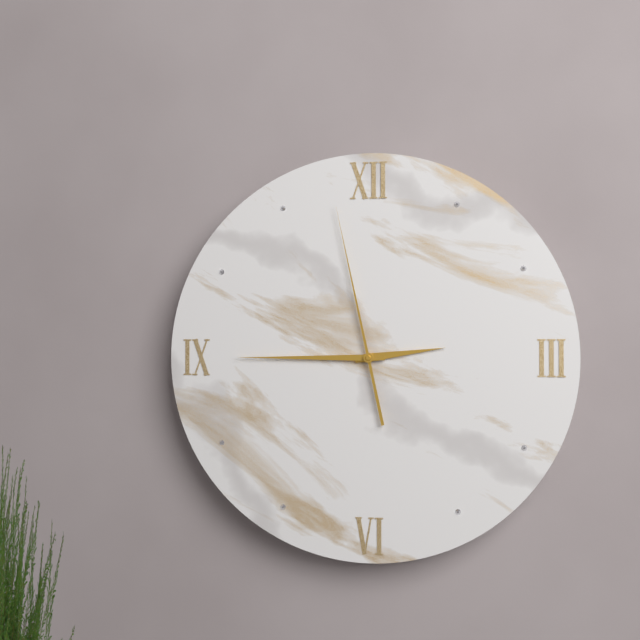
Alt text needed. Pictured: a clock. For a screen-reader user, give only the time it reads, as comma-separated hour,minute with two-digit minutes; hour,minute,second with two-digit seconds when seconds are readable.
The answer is 2,45,58
